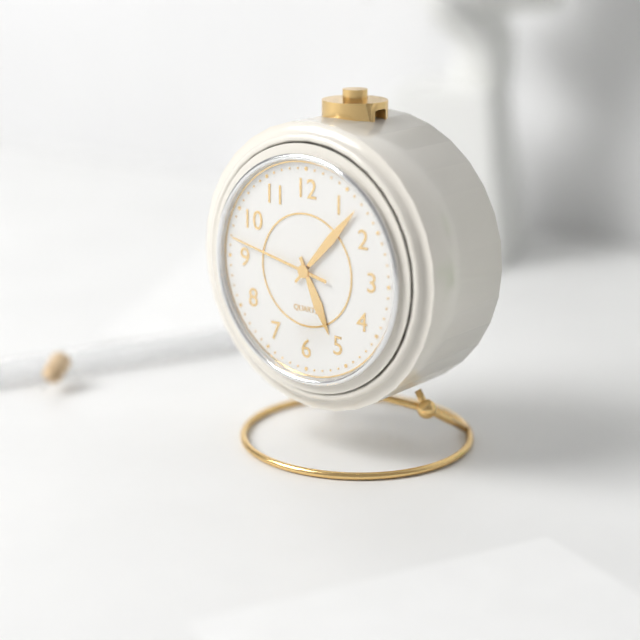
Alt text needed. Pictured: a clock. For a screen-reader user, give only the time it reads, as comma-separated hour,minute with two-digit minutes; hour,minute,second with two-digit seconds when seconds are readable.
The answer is 5,07,47
